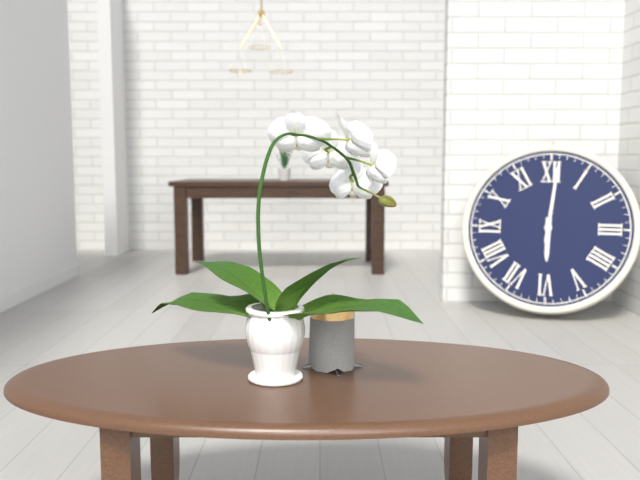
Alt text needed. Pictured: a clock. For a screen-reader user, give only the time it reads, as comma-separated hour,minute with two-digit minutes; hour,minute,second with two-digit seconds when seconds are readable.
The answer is 6,01
